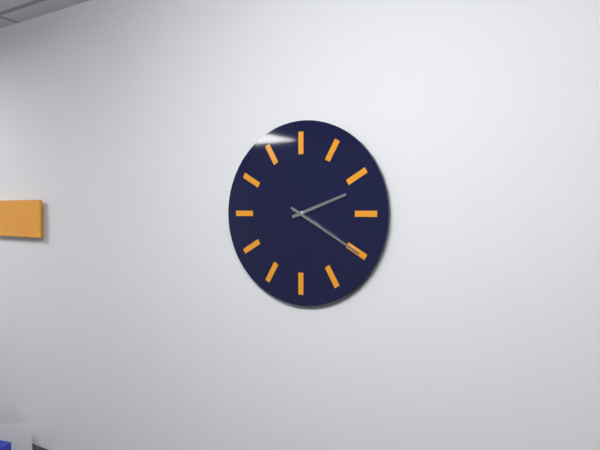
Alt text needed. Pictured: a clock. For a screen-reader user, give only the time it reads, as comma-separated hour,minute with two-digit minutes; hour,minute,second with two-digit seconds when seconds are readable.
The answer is 2,20
